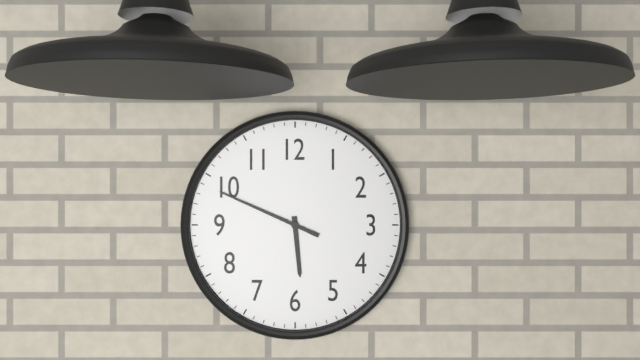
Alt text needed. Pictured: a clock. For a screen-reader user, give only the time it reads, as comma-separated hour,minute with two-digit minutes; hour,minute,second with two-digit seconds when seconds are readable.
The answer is 5,49
